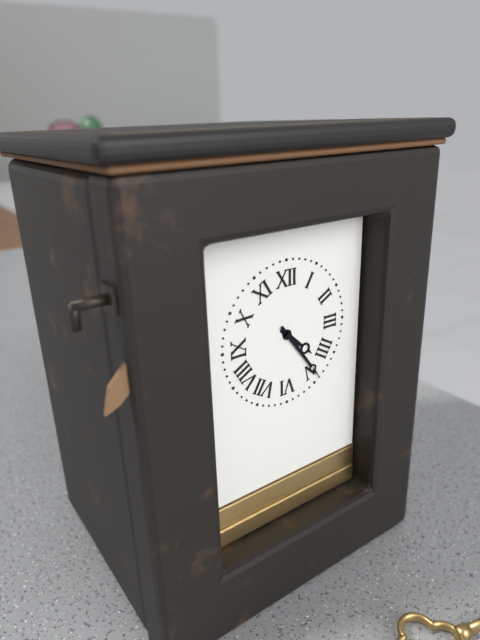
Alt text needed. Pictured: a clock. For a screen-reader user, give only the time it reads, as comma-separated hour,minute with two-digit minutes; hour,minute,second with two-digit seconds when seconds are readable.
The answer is 4,24
